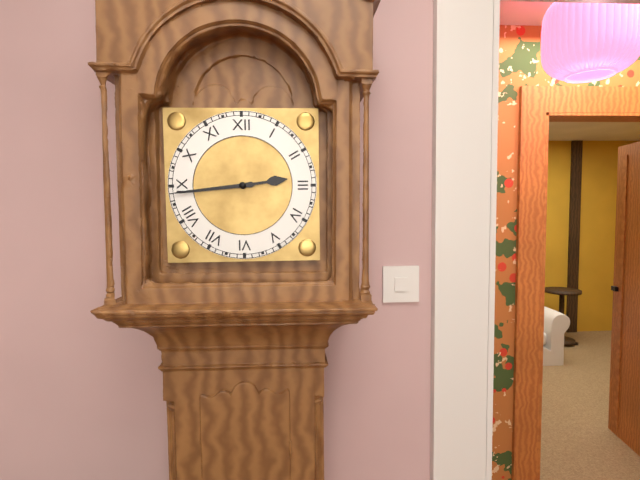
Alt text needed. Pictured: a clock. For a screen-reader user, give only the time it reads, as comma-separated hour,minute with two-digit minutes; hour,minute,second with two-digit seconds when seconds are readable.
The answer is 2,44
